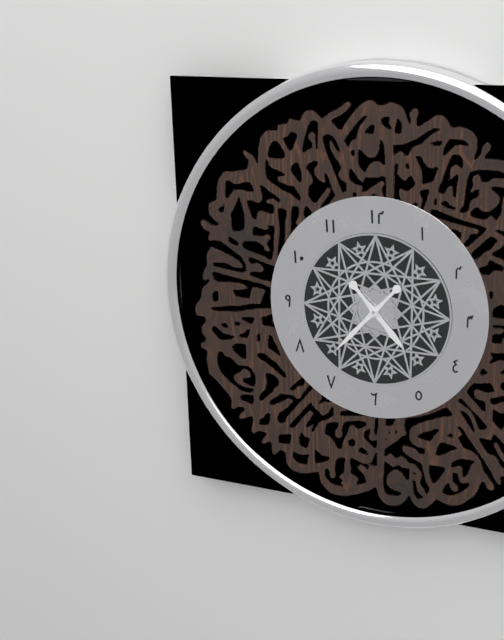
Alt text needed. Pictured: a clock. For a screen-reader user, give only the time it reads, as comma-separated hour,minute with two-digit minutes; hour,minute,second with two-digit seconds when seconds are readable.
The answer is 4,37
